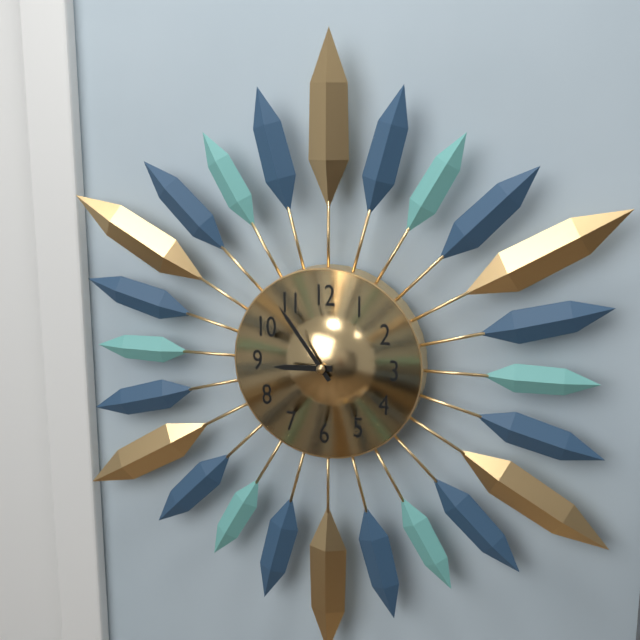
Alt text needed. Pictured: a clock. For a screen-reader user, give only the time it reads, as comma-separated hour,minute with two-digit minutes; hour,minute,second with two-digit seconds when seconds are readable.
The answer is 8,54
